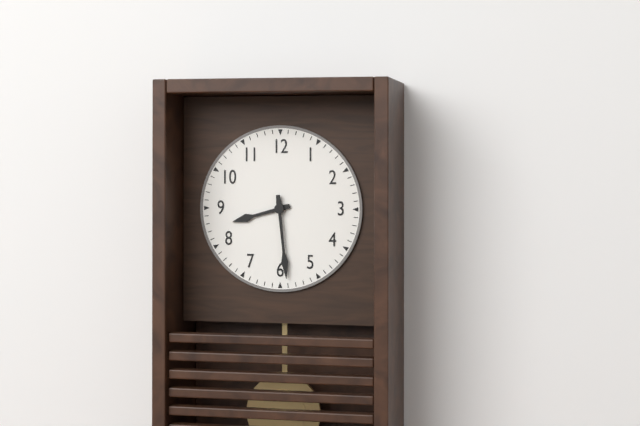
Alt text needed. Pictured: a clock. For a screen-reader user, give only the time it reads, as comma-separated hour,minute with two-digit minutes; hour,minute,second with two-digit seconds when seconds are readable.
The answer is 8,29
